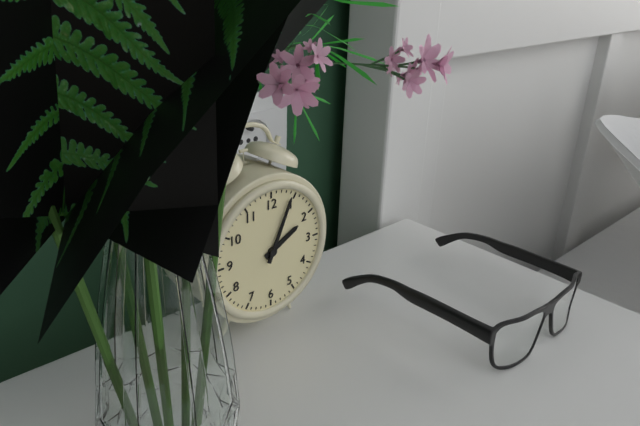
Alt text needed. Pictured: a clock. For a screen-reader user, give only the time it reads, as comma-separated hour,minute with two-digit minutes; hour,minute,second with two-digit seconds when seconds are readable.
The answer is 2,04
